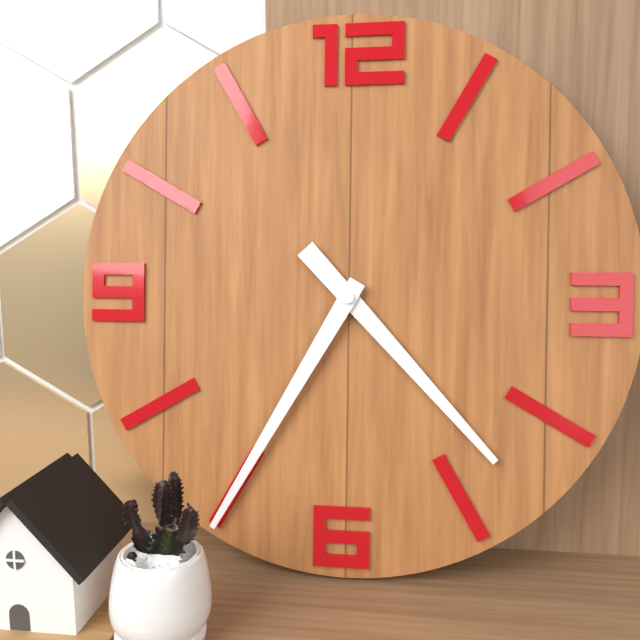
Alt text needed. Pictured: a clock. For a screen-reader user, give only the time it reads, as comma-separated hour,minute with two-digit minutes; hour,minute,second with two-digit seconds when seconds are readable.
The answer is 4,35
